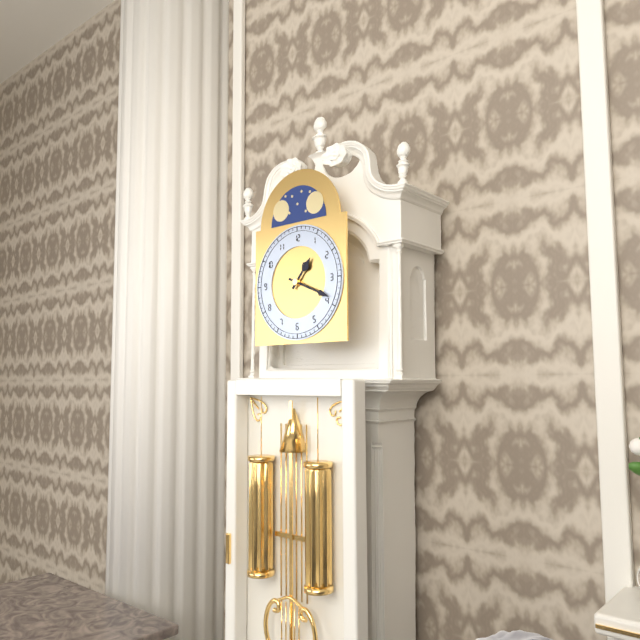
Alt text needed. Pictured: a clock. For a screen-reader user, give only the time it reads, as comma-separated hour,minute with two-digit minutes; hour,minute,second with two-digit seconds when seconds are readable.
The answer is 1,19
